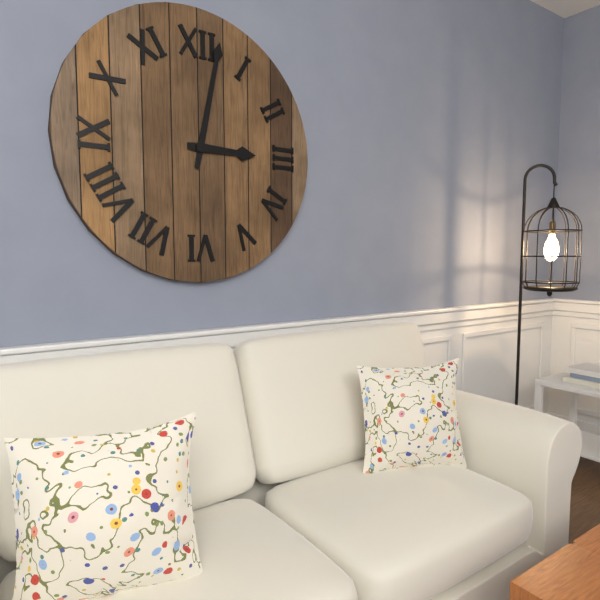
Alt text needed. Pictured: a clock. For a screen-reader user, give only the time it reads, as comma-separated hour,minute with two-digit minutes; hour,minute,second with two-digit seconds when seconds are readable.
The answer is 3,02
